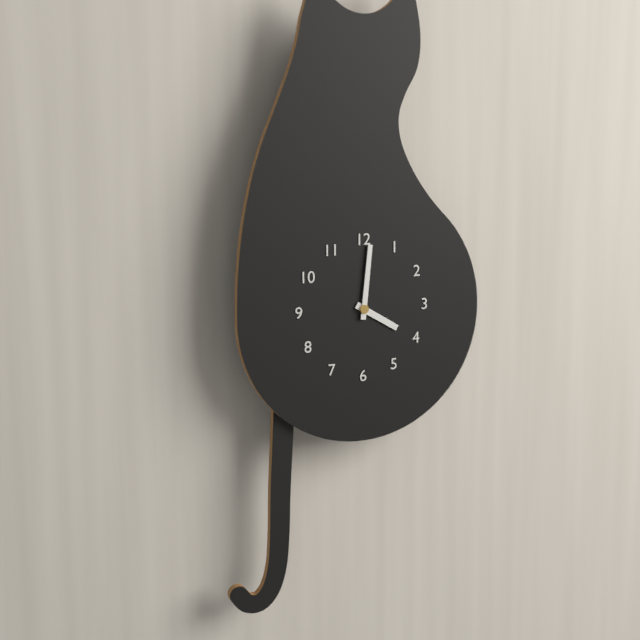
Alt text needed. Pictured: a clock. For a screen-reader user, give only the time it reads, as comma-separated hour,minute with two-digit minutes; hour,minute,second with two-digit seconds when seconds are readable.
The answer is 4,01
